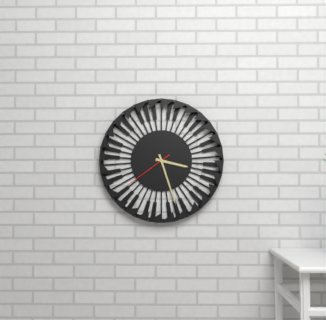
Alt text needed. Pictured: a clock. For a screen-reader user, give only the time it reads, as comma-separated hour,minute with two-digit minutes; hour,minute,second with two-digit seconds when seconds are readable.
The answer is 3,27,39
